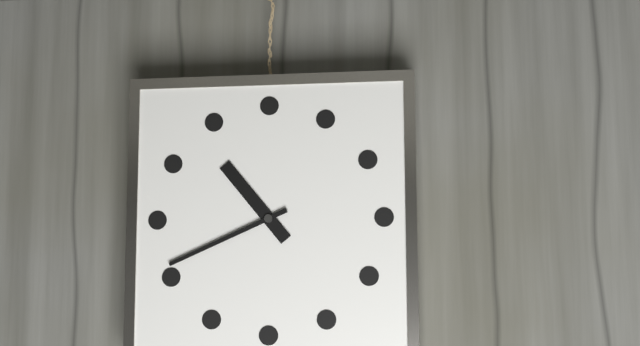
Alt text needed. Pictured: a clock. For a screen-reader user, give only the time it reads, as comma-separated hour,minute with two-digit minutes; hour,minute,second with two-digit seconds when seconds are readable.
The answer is 10,41
